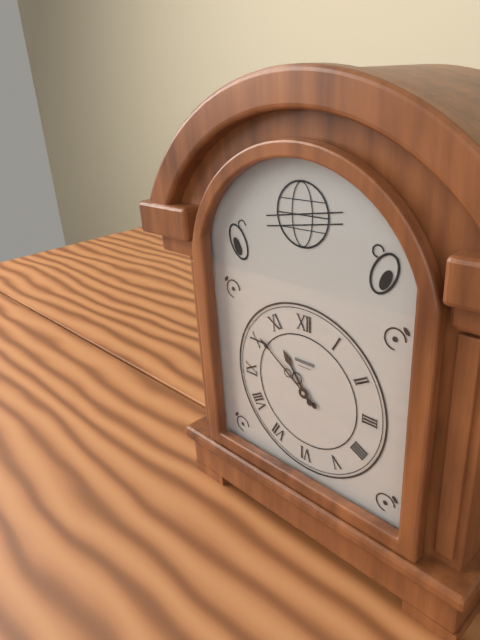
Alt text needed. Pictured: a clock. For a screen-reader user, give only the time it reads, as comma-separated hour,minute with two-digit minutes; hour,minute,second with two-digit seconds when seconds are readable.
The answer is 10,51
